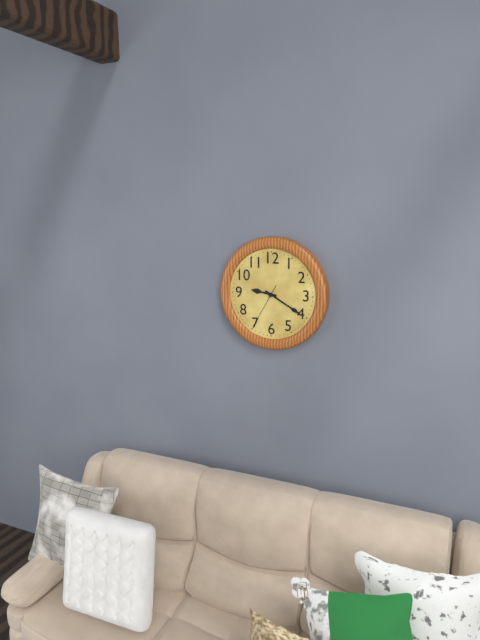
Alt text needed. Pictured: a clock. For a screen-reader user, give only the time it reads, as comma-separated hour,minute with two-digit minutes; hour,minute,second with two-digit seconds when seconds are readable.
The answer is 9,20
